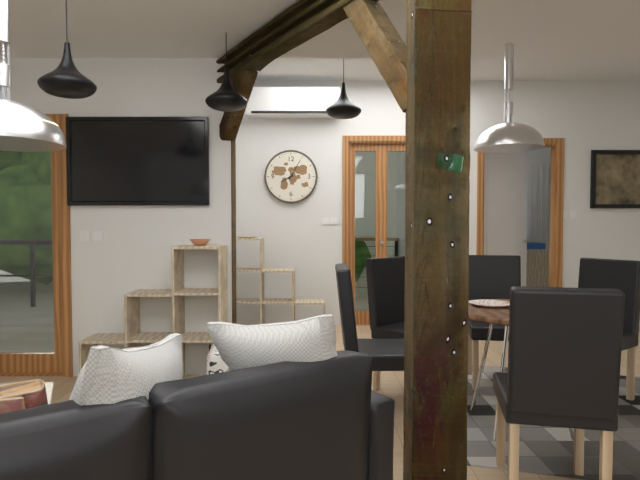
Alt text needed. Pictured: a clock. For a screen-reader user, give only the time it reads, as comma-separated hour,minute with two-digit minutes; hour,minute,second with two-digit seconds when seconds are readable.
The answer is 8,05
